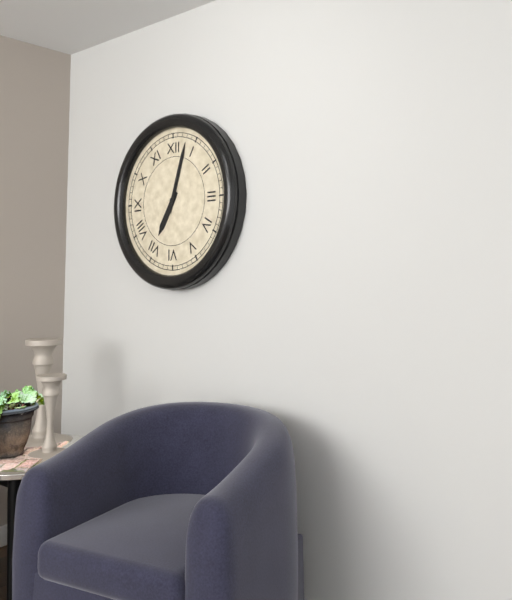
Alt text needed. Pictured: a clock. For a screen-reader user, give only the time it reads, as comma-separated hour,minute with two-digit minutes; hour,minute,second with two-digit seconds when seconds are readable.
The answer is 7,03
